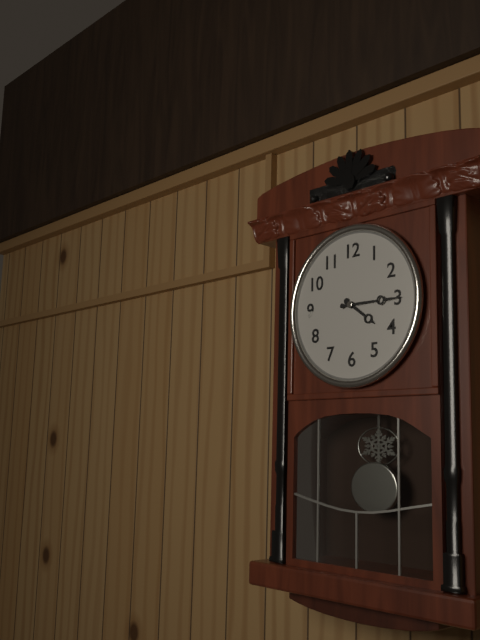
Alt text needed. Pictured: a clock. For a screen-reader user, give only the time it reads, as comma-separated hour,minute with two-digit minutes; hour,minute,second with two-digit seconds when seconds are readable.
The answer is 4,15
